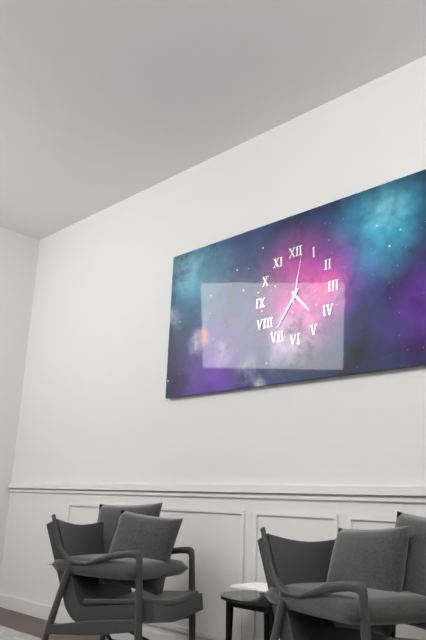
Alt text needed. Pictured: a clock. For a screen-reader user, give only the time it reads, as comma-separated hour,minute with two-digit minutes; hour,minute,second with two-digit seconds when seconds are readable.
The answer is 4,36,02
